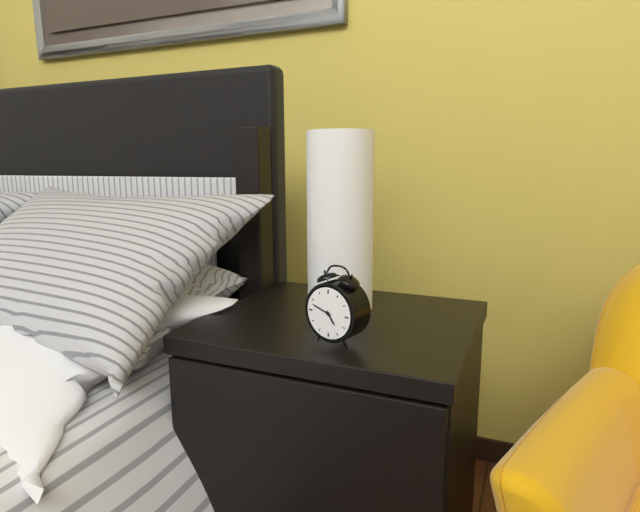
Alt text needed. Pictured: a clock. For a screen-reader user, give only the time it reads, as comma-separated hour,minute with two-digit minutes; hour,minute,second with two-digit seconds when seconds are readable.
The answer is 4,48
